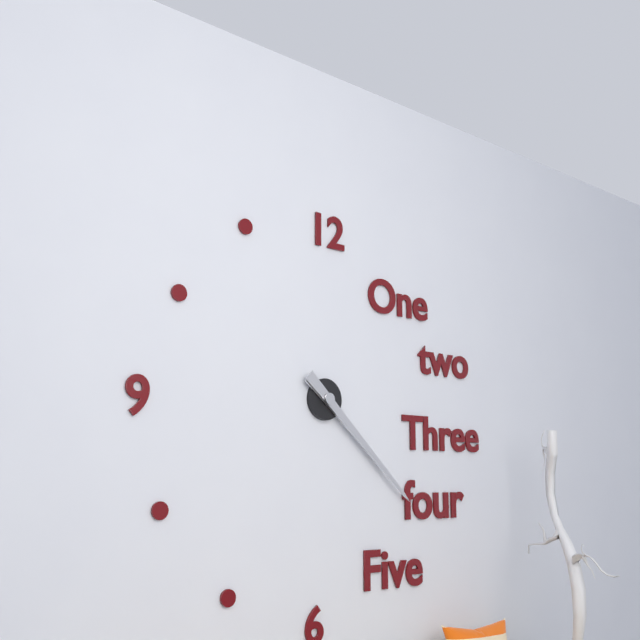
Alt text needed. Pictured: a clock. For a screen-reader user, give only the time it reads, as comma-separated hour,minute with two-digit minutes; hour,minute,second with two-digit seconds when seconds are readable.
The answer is 4,22
